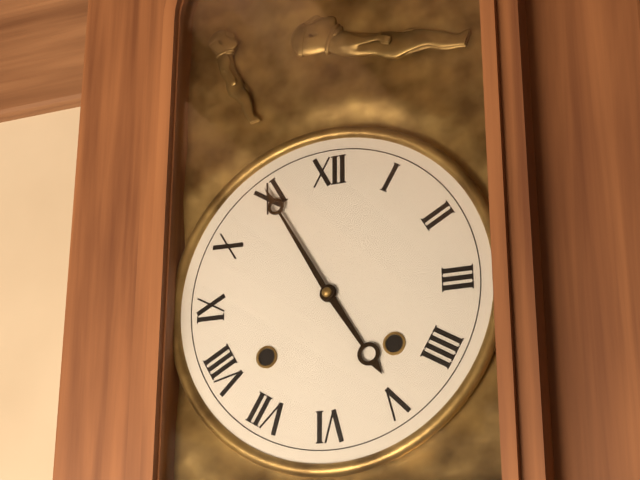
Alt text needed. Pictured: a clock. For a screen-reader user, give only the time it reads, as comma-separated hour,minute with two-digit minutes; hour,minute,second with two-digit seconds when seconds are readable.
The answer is 4,55
